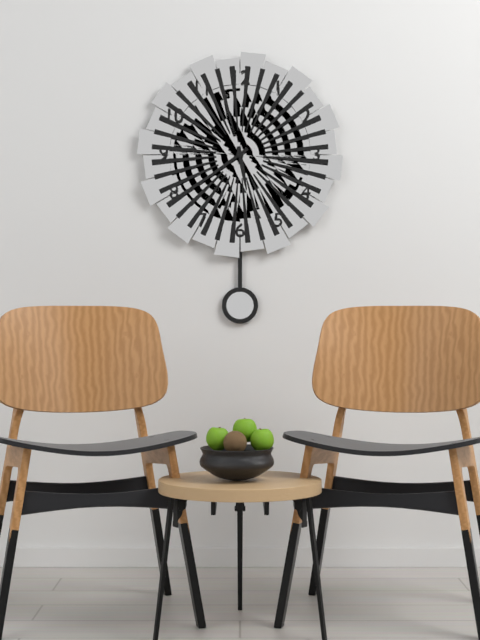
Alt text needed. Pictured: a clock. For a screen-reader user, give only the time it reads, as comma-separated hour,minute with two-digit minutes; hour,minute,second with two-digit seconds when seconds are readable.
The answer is 5,39
